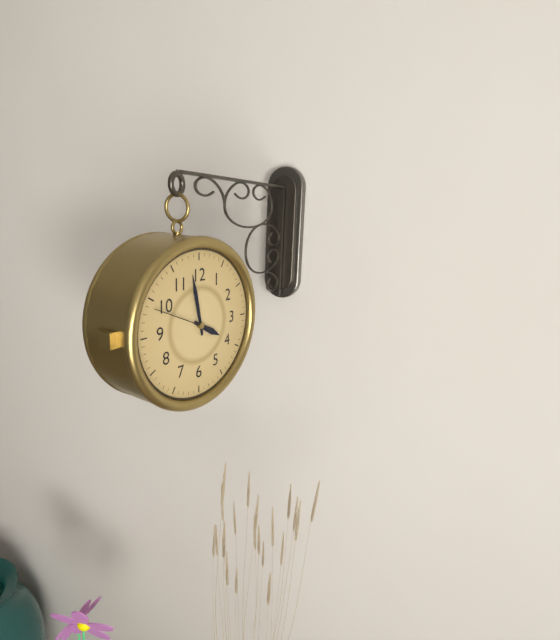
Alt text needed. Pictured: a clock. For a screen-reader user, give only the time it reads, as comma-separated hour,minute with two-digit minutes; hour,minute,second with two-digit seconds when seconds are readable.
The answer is 3,58,49
